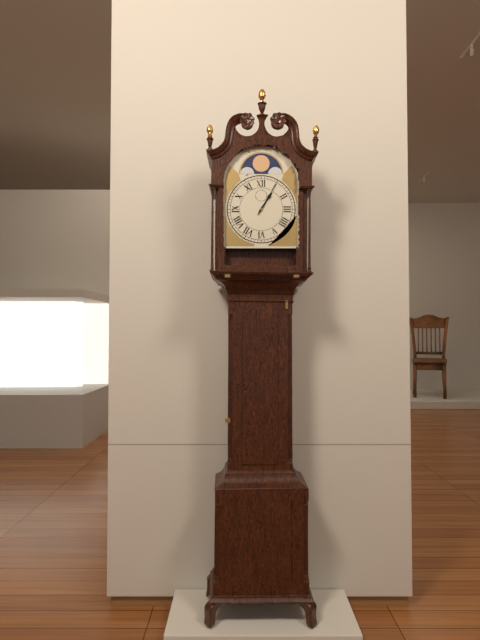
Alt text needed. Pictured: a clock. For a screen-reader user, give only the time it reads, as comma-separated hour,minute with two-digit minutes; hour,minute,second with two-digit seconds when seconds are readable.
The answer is 1,05
